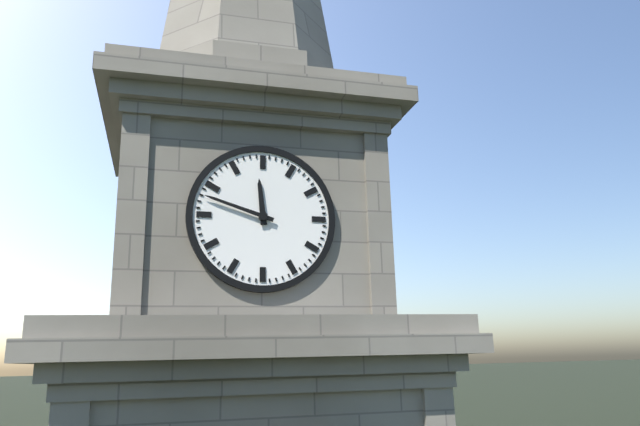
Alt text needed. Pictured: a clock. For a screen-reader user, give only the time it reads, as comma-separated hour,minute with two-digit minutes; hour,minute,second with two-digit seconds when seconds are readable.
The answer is 11,48
